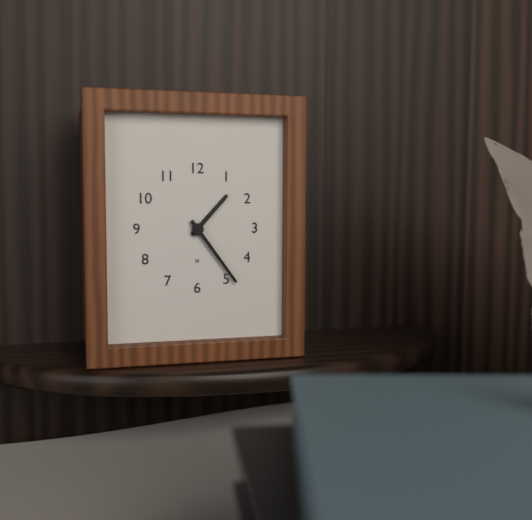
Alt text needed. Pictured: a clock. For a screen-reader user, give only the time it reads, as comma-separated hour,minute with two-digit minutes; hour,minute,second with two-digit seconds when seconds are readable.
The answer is 1,24
